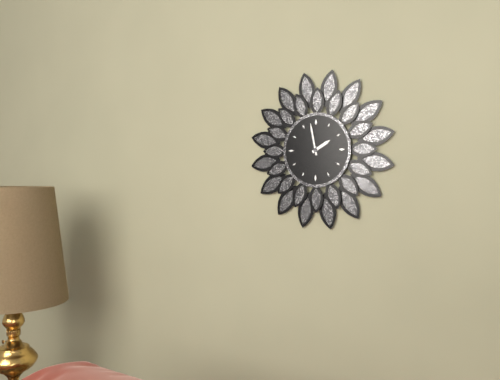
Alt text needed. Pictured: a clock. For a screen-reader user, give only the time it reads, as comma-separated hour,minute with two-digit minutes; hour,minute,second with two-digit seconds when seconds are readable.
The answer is 1,58
